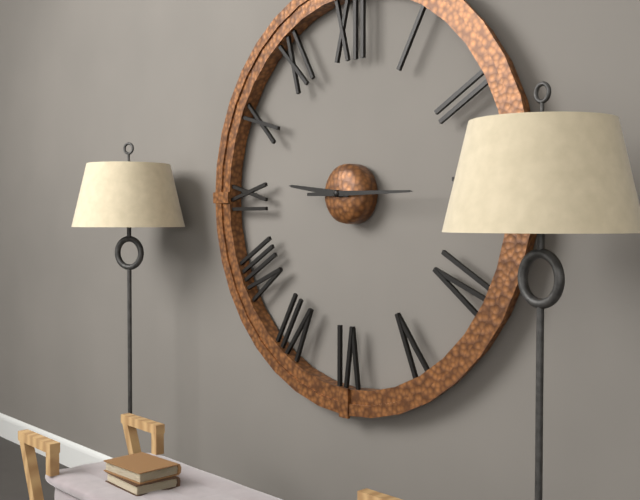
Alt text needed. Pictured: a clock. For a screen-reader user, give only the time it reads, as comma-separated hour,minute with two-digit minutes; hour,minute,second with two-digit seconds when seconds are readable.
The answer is 9,15
